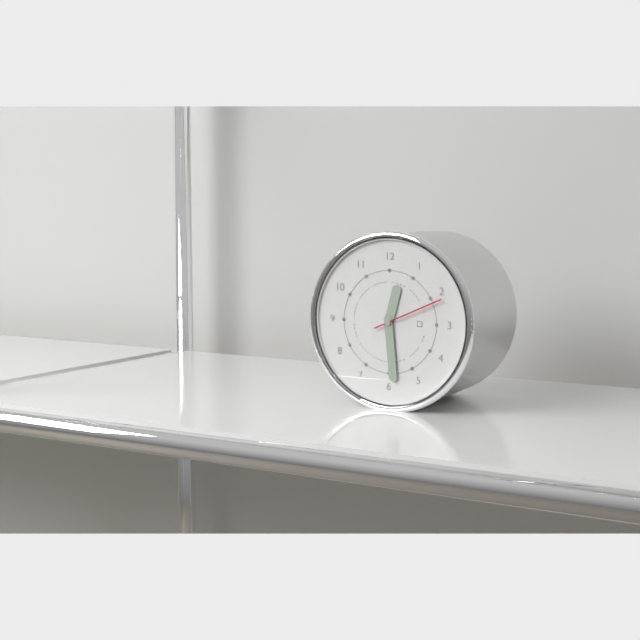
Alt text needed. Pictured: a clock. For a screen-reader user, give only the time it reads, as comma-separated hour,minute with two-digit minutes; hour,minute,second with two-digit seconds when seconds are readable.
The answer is 12,29,11
